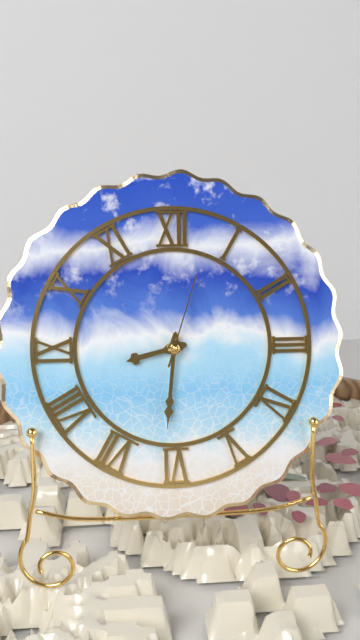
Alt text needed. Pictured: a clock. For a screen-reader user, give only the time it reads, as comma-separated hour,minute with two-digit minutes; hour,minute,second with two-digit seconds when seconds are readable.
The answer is 8,31,03
